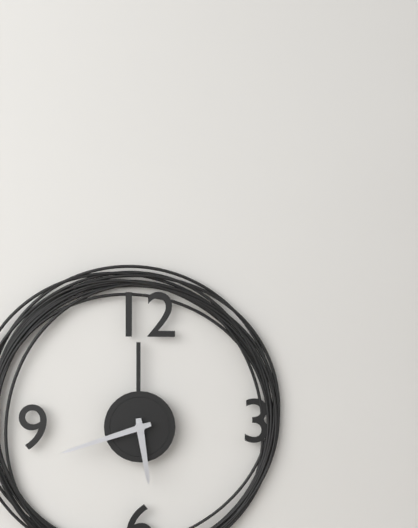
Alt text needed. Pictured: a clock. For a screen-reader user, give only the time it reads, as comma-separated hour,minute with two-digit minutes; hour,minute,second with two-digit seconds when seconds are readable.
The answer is 5,42
